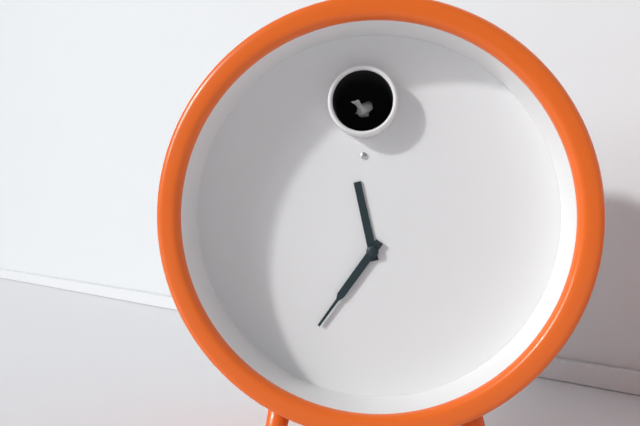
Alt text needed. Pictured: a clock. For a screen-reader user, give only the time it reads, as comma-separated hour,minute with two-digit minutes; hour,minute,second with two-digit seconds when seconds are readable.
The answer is 11,36
